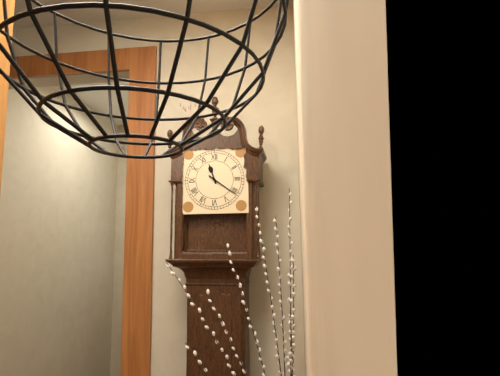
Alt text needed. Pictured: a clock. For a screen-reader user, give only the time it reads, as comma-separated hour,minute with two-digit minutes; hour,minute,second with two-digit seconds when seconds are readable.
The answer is 11,21
